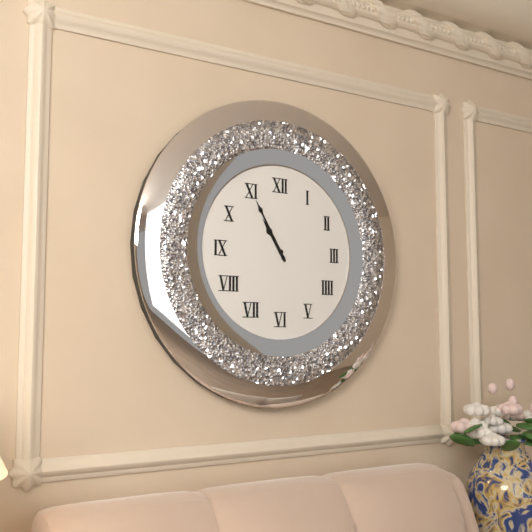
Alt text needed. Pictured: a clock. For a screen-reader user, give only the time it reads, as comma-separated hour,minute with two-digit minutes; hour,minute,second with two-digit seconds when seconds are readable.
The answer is 10,55
